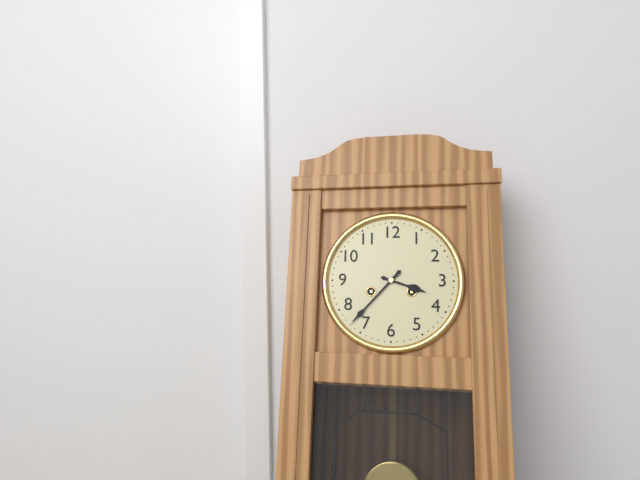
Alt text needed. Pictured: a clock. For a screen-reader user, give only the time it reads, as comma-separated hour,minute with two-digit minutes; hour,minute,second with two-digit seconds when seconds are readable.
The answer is 3,37
